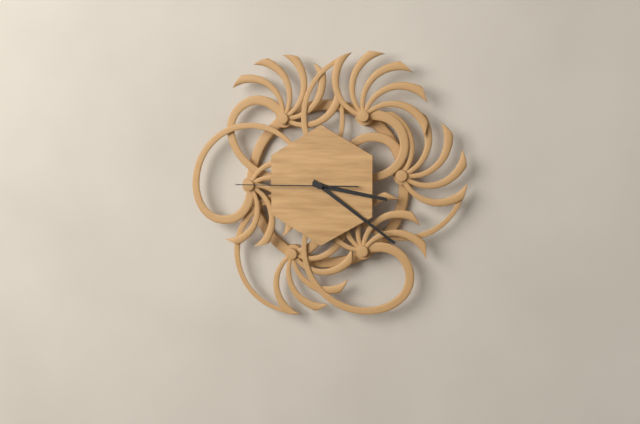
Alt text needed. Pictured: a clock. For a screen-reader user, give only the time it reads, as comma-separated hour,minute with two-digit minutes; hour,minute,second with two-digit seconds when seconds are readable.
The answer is 3,21,45
